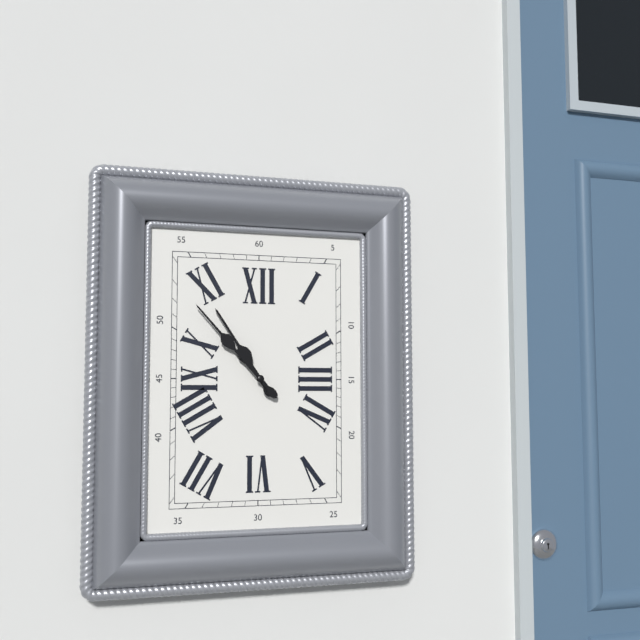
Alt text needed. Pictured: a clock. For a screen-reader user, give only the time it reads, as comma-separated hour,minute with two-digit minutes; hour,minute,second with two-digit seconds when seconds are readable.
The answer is 10,53
